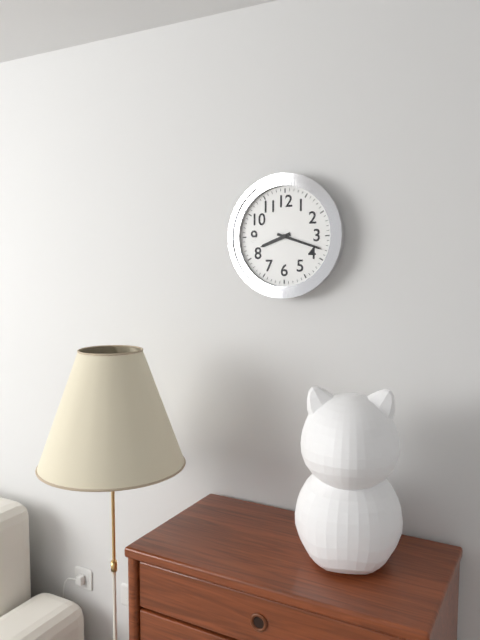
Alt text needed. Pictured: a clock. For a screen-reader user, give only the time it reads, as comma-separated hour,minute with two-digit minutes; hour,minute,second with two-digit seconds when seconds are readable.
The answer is 8,18
